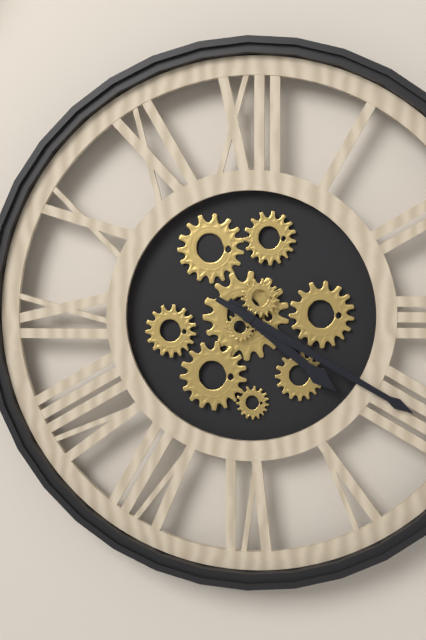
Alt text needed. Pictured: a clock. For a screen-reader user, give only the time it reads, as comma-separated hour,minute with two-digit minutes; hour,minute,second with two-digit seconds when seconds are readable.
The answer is 4,20
